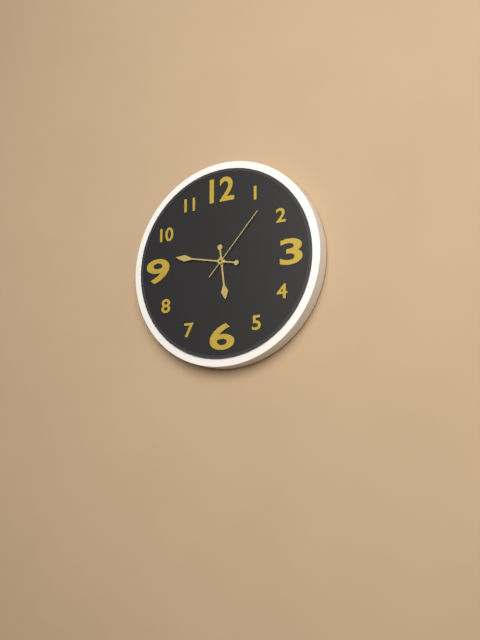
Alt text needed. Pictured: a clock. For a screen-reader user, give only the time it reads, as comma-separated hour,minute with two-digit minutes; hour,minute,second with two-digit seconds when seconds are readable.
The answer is 5,47,07
